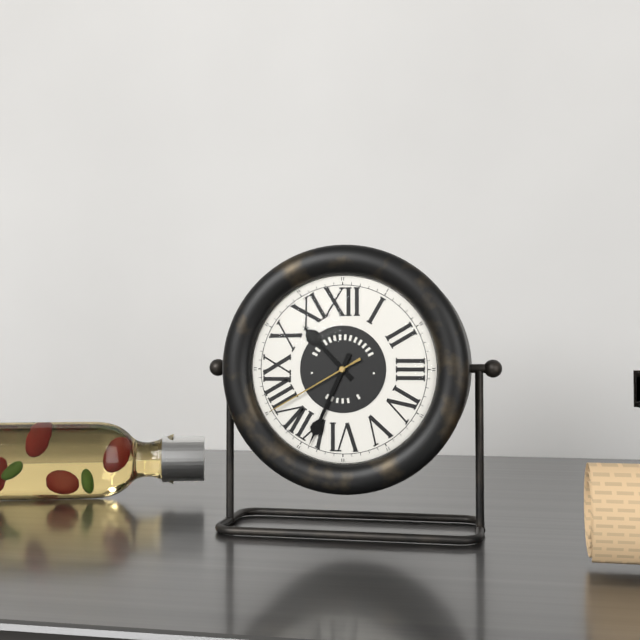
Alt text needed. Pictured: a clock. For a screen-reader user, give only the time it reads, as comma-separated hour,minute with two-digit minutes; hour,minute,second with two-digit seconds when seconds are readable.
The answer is 10,34,40
